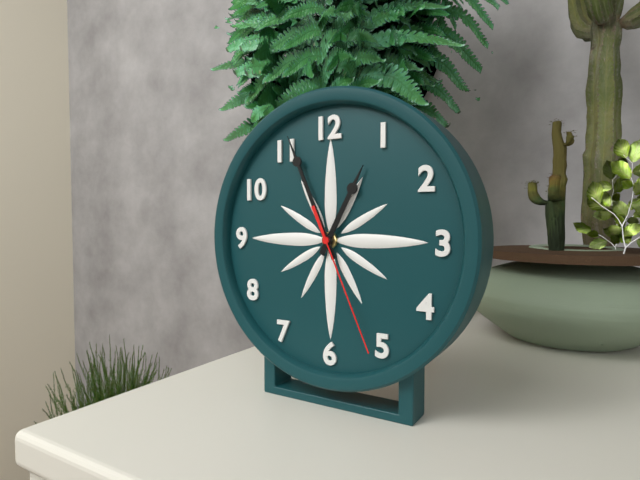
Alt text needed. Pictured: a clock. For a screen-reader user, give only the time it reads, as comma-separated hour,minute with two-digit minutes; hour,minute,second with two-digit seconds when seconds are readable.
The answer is 12,56,26
